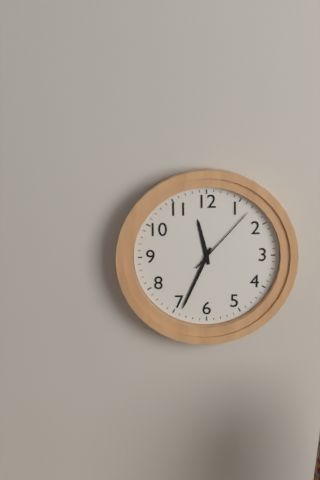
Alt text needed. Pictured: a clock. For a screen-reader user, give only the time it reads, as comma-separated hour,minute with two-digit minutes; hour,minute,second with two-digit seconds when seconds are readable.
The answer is 11,34,07
